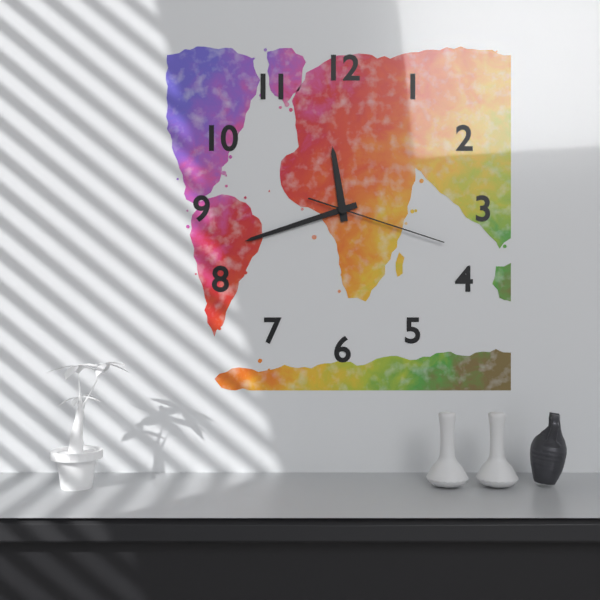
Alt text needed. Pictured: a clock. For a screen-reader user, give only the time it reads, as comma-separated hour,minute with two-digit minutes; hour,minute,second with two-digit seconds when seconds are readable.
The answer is 11,42,18
